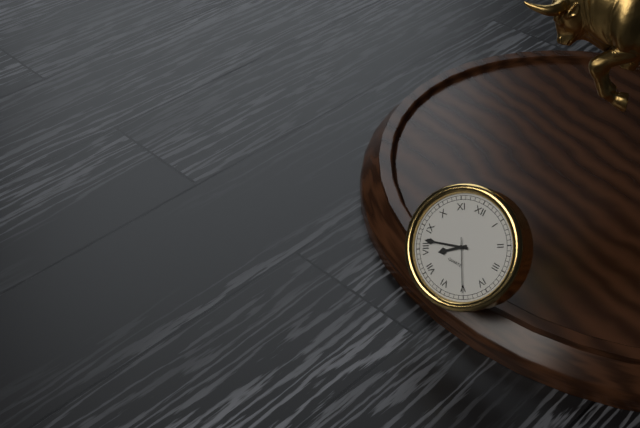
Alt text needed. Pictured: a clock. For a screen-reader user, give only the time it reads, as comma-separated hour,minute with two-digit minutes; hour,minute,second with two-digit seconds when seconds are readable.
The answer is 7,42,25
